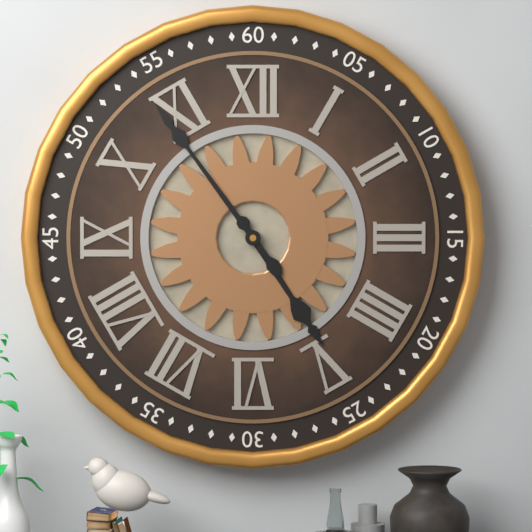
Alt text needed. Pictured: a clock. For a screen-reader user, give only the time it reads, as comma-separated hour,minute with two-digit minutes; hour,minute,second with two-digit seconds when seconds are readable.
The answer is 4,54
